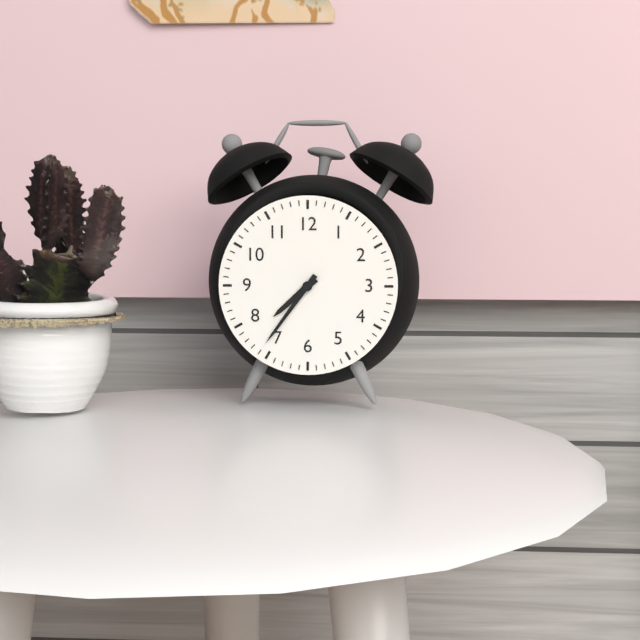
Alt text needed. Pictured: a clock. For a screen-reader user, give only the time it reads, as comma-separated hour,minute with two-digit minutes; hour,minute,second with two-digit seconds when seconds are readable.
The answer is 7,36
